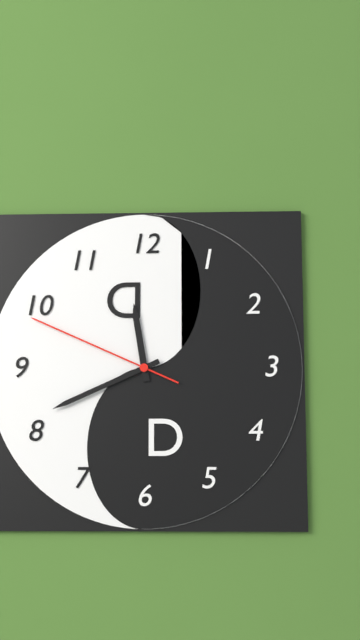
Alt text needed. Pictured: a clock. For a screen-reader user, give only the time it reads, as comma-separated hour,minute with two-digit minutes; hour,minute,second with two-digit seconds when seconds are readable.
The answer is 11,41,49
